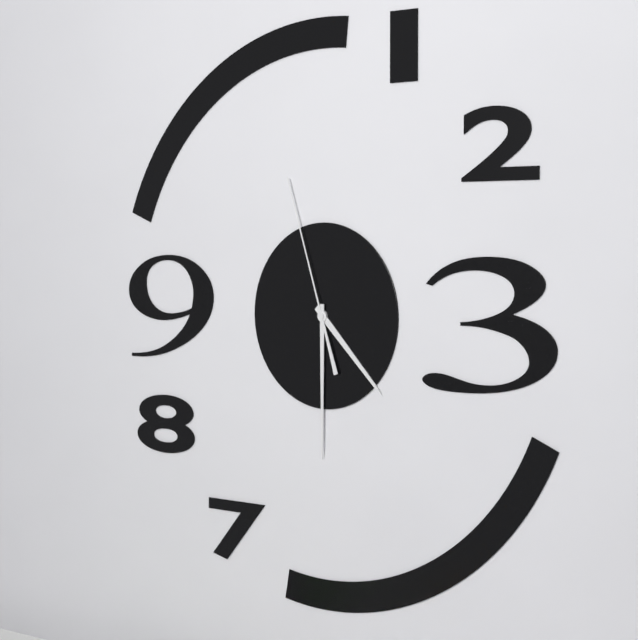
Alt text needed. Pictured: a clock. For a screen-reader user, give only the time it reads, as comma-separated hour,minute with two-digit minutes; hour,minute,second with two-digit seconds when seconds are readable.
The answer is 4,30,57
